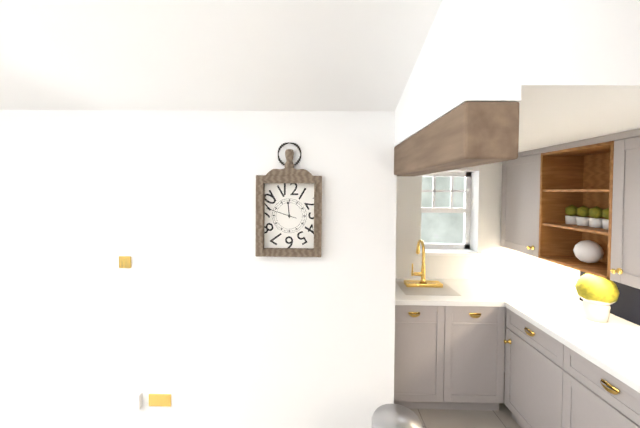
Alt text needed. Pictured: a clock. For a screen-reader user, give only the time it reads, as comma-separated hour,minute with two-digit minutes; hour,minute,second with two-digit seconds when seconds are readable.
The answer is 11,48
